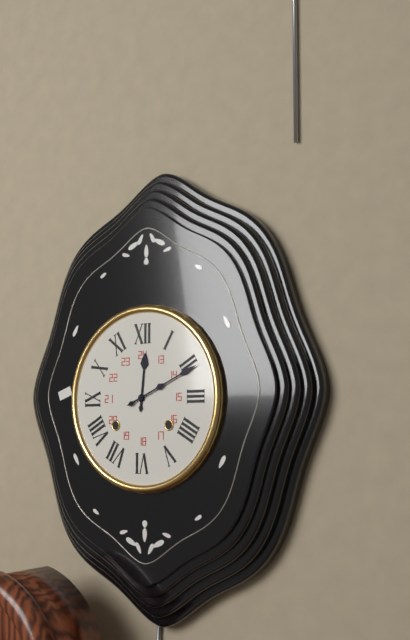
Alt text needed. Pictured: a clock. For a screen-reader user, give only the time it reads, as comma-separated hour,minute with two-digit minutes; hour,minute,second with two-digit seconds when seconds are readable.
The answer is 12,11
